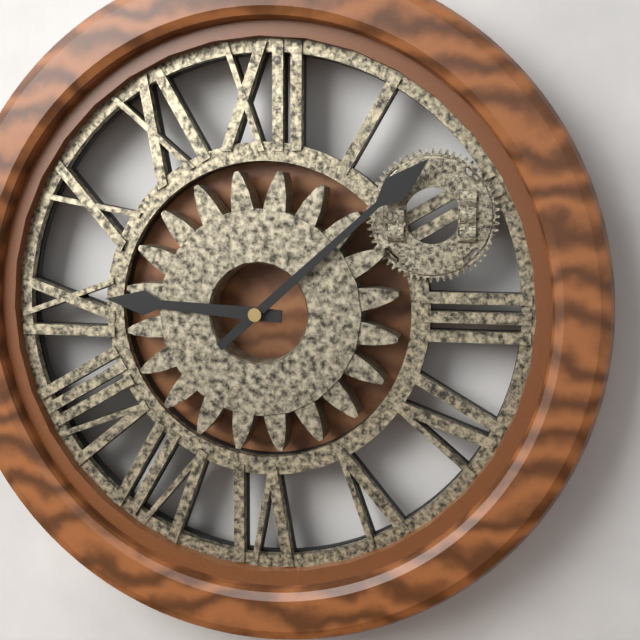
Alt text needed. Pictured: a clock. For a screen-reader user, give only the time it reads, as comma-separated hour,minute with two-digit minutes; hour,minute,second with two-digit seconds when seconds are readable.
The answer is 9,08
